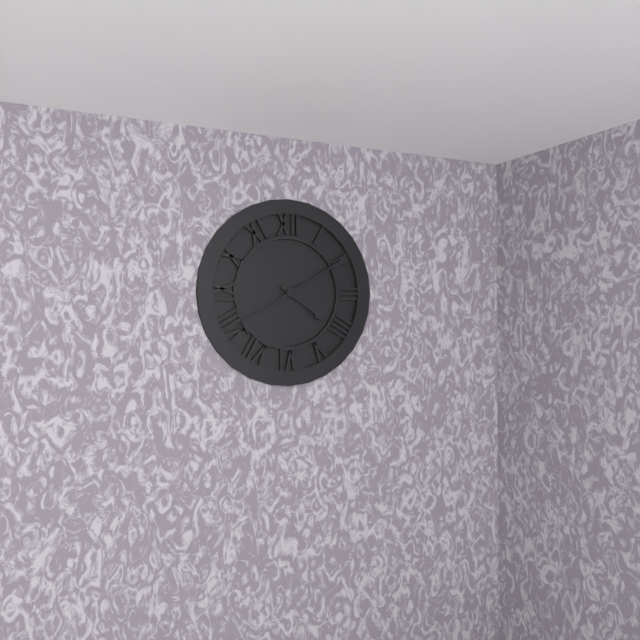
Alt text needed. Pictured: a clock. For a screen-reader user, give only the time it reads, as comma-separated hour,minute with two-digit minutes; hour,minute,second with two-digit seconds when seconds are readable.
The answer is 4,10,40
